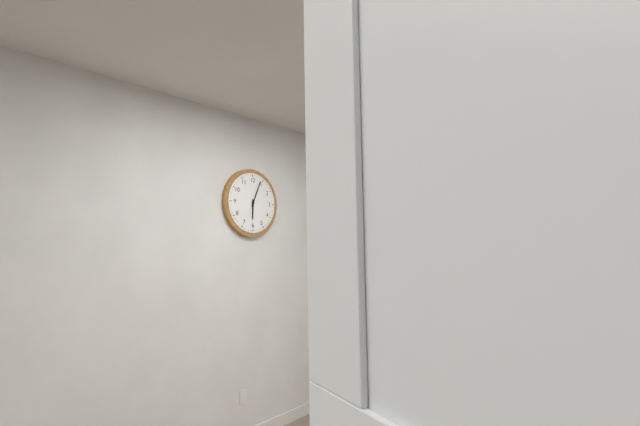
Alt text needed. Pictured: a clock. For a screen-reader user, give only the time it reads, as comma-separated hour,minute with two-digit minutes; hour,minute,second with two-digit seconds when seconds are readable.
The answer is 6,04
